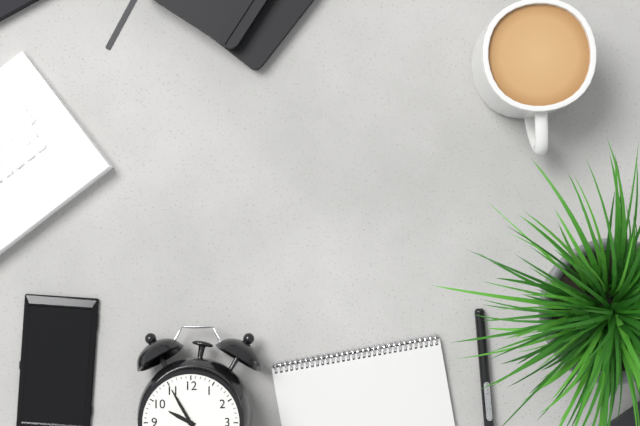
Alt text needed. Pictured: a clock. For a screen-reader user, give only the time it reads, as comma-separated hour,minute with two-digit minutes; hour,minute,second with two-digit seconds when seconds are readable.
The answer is 9,55
